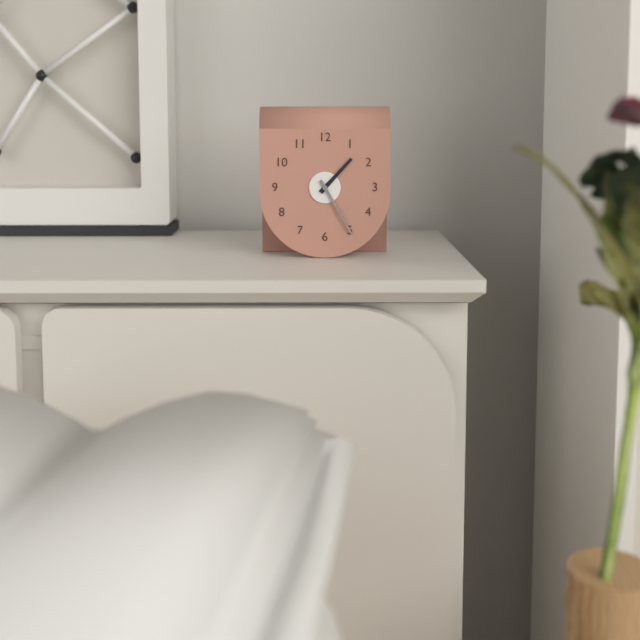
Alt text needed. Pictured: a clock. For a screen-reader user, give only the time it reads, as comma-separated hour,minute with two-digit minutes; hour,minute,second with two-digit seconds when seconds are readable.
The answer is 1,25
